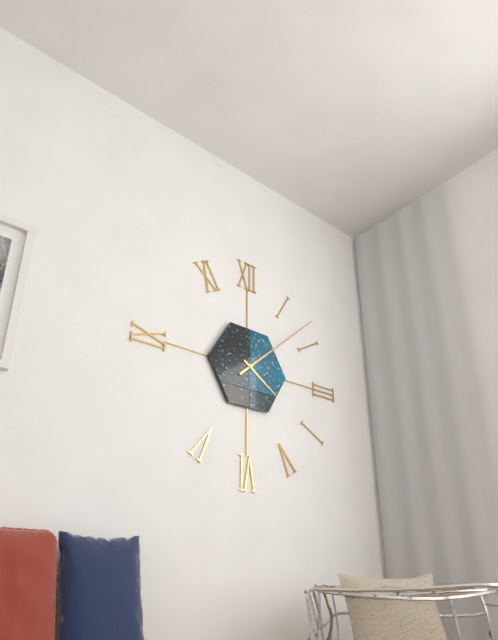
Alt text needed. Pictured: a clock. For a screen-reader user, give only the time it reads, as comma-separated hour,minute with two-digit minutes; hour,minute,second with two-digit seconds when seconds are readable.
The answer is 4,08
